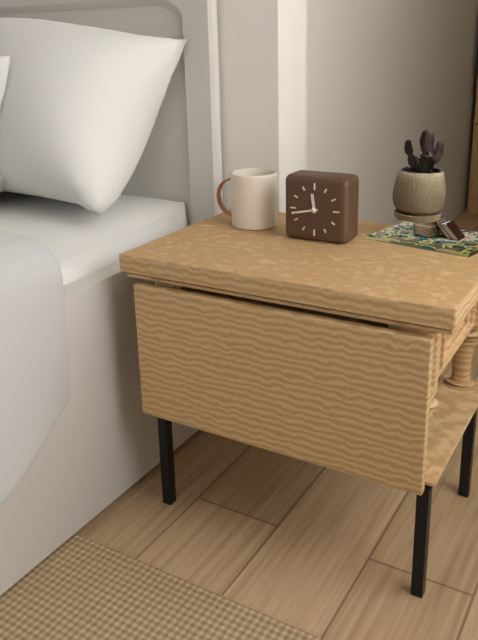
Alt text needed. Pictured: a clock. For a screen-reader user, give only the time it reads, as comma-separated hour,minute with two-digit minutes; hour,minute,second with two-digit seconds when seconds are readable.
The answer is 11,43
